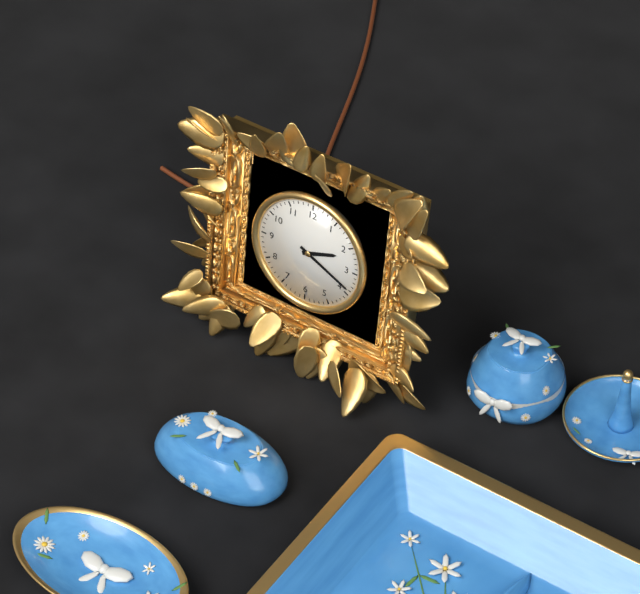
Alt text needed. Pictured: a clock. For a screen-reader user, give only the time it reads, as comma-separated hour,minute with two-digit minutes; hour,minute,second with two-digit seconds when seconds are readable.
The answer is 2,19
